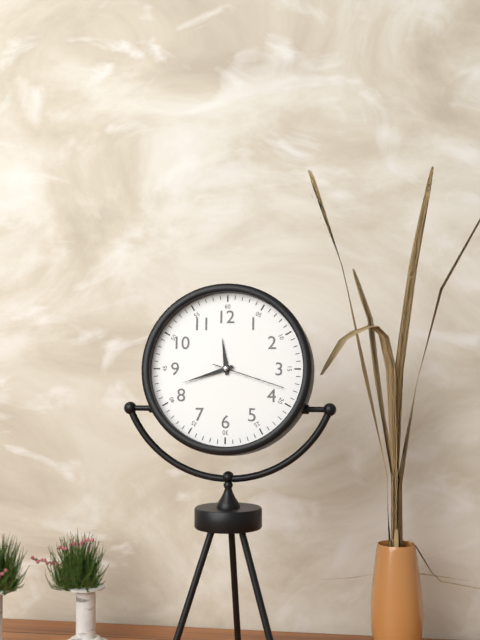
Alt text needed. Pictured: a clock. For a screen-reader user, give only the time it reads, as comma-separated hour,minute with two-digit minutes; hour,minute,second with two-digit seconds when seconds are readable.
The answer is 11,42,18
